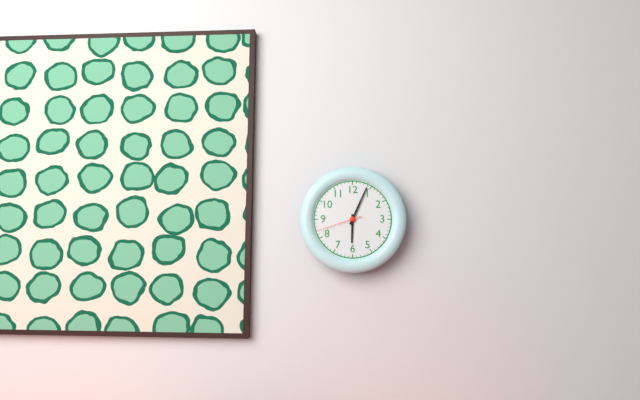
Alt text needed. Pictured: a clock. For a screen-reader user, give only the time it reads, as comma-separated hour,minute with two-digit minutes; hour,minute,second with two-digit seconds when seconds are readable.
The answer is 6,04
